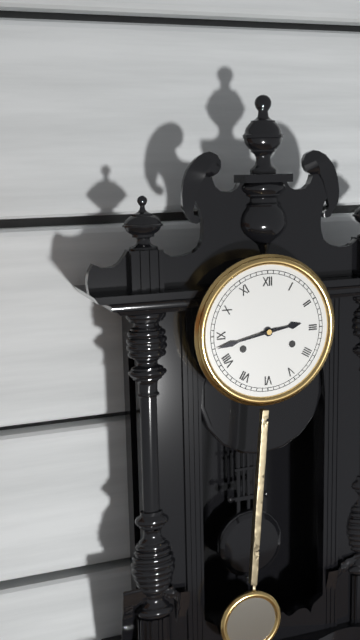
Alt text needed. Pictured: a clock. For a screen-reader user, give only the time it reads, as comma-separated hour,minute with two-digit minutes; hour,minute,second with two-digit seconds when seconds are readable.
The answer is 2,43
